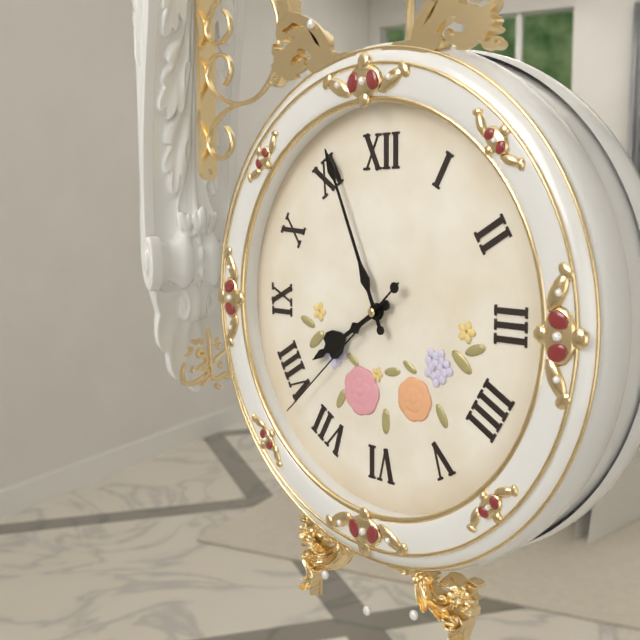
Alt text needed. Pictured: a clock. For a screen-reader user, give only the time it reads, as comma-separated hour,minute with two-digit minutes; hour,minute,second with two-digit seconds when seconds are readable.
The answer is 7,56,38
